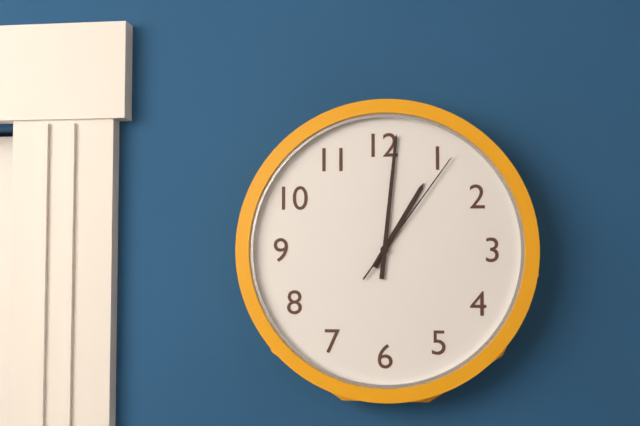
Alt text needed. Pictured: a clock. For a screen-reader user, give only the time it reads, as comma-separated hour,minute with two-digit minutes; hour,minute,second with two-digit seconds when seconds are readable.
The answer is 1,01,06
